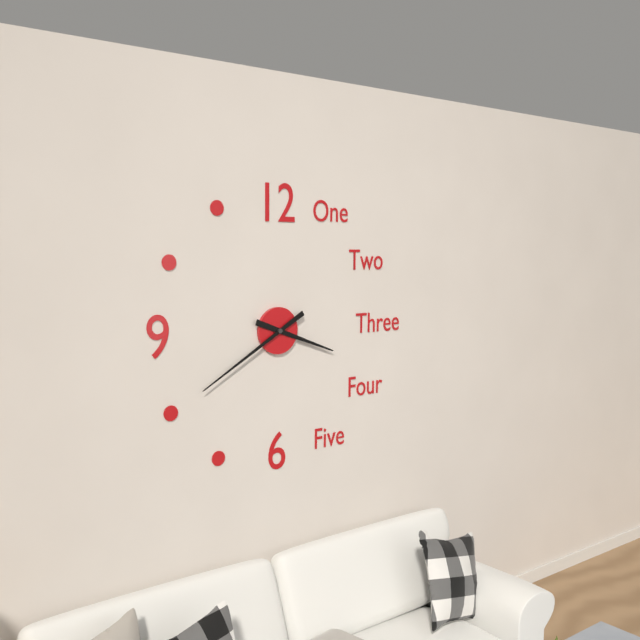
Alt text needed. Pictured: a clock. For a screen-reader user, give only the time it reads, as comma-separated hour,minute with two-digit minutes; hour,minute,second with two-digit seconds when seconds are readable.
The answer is 3,40
